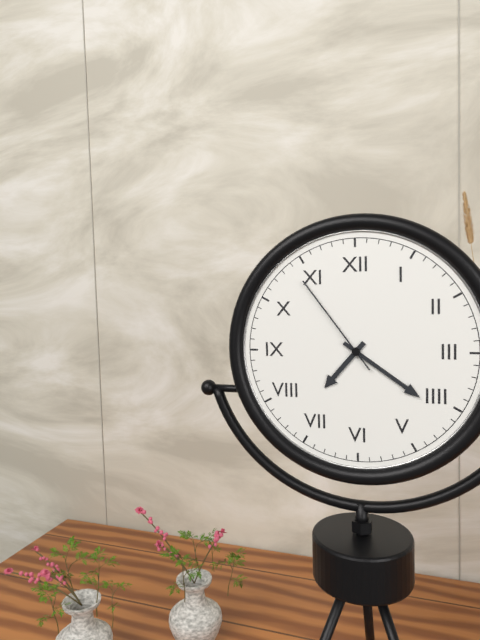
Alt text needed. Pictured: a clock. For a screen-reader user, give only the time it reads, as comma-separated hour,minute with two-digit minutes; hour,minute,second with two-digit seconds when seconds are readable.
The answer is 7,21,54
